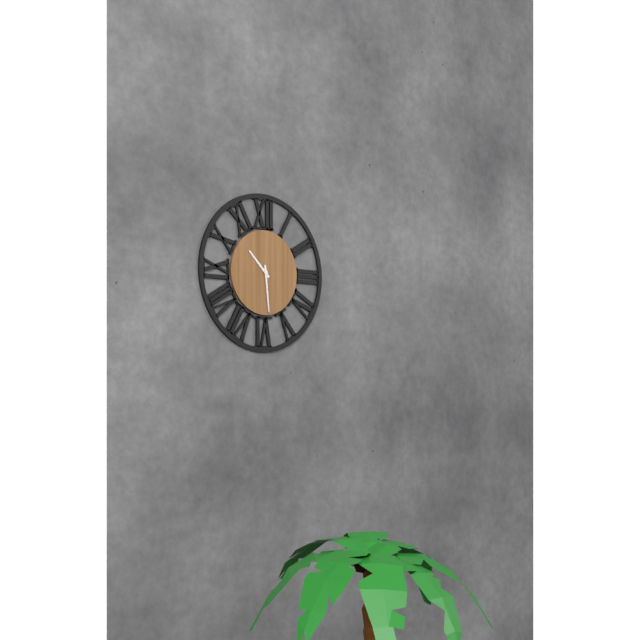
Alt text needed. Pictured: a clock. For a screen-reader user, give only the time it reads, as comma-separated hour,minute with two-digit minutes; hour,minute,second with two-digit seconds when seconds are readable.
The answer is 10,29
